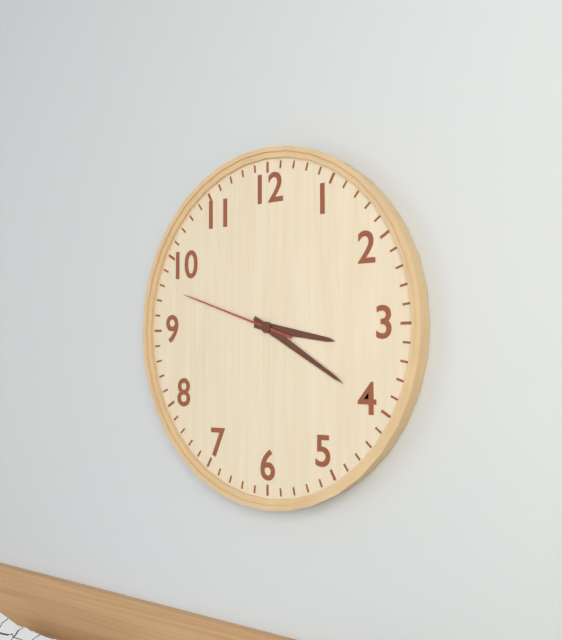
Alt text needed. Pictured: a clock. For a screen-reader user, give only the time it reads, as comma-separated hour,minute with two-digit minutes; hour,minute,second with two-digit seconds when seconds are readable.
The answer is 3,20,48
